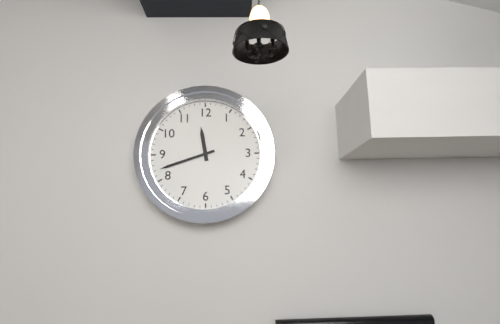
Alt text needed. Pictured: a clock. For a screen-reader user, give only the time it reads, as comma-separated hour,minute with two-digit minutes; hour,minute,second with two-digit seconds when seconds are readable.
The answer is 11,42
